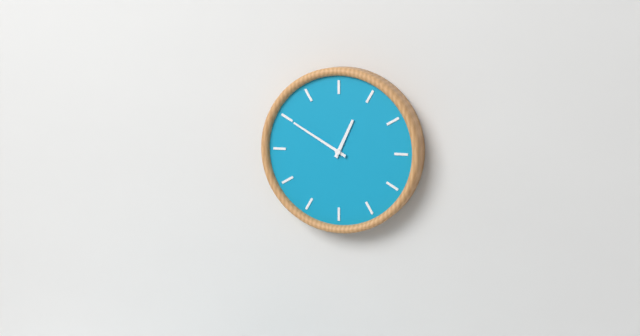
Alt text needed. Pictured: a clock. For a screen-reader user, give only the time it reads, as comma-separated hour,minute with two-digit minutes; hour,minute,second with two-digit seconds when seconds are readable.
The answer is 12,50
